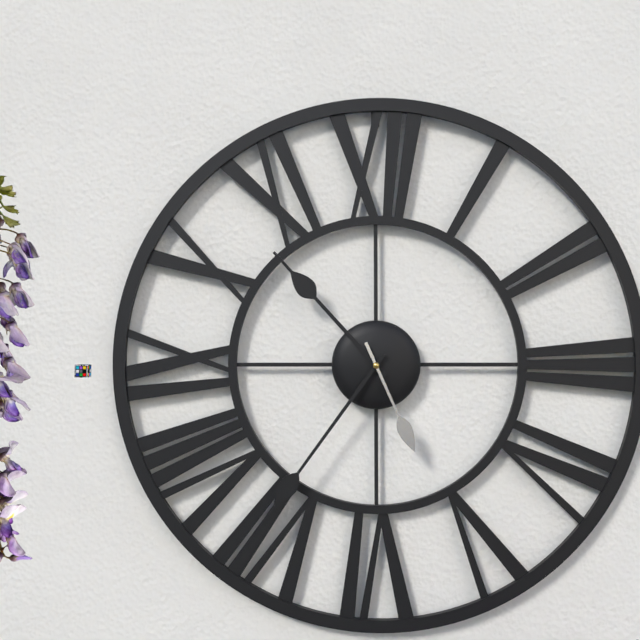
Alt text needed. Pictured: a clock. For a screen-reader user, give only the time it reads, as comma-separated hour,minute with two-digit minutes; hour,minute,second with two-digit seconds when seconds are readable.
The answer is 10,36,26
